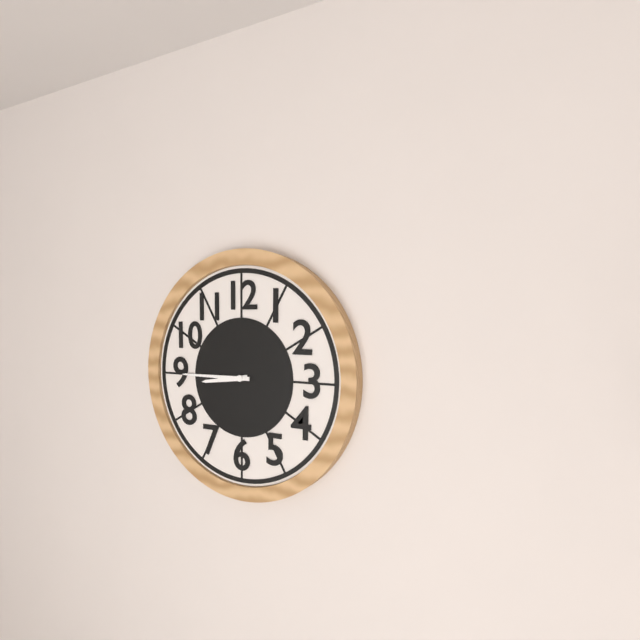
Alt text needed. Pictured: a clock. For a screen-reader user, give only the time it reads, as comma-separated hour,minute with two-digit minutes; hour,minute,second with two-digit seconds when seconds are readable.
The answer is 8,45
